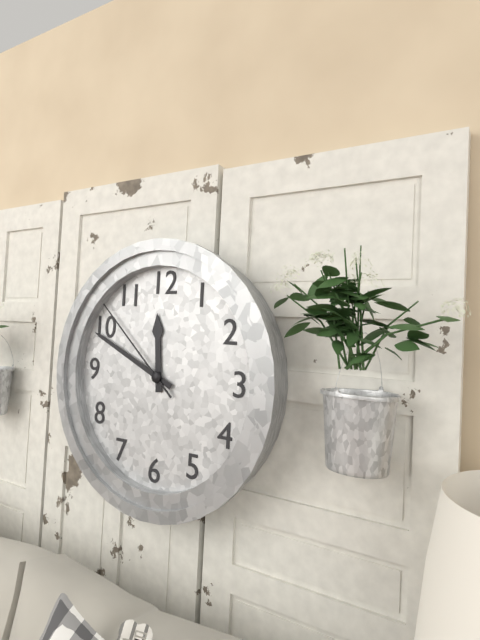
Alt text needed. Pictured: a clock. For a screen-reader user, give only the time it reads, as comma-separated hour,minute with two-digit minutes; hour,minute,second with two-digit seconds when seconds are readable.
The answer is 11,49,52
